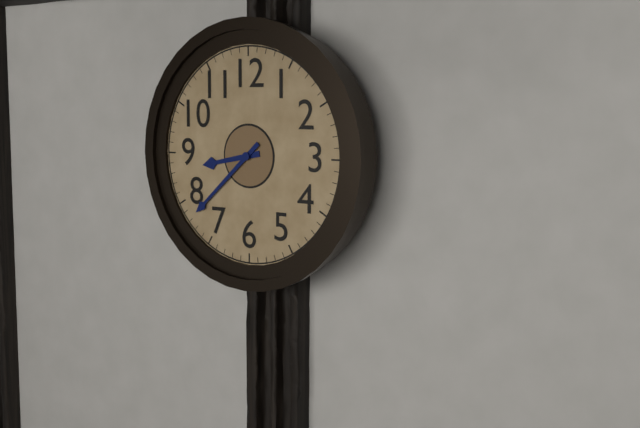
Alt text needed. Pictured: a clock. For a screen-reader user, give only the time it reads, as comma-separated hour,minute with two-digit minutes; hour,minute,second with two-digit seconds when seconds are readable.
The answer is 8,38
